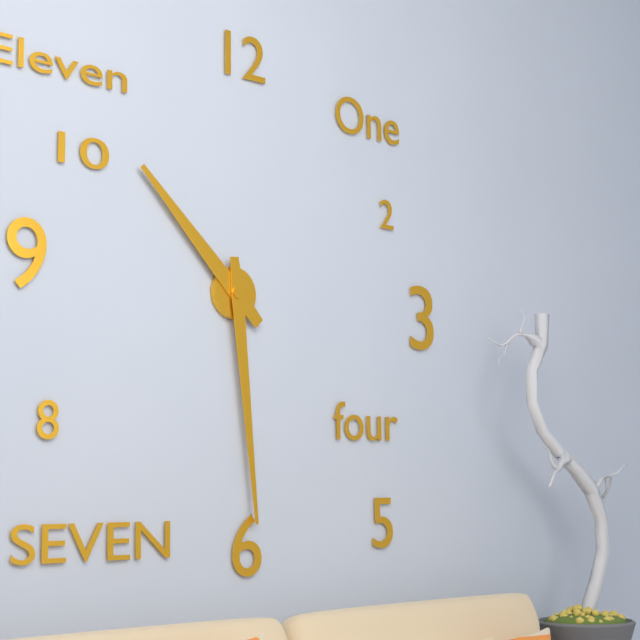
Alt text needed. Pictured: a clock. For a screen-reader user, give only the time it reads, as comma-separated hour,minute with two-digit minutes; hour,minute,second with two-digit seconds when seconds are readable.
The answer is 10,29
